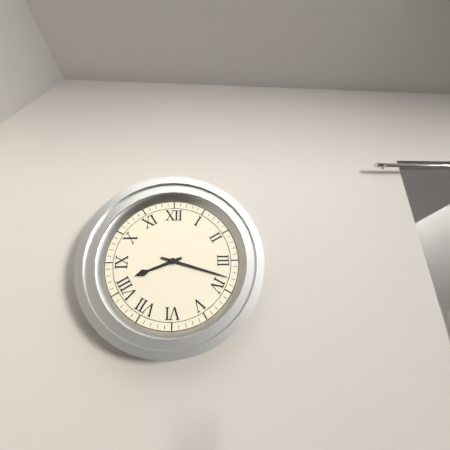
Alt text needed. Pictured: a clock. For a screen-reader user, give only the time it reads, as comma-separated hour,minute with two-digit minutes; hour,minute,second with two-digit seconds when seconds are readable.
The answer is 8,18
